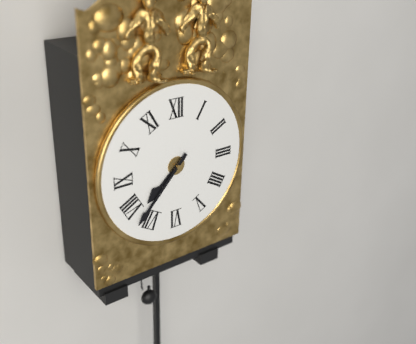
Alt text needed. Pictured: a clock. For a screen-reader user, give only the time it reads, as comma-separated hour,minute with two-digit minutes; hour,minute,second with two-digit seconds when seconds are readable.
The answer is 7,37
